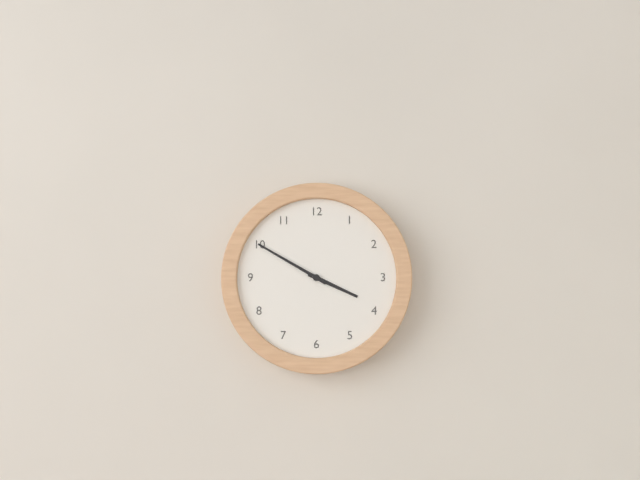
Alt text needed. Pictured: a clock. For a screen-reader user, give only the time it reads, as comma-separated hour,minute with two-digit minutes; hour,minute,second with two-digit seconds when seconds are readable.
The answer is 3,50
